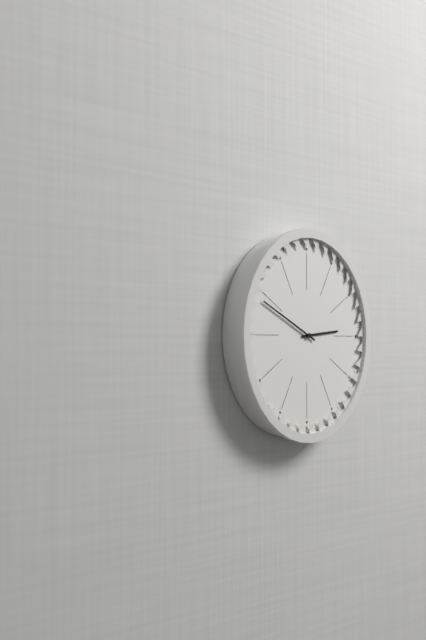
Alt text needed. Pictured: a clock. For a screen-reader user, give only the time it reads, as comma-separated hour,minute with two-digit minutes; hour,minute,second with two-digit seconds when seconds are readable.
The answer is 2,49
